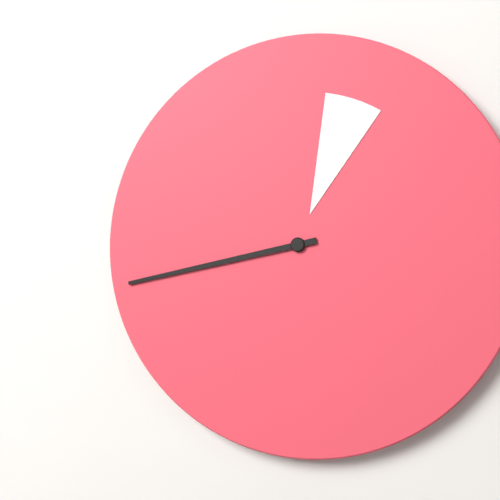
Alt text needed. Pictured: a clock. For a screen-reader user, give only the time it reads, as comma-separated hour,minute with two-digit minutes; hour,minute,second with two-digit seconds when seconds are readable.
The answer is 12,43
